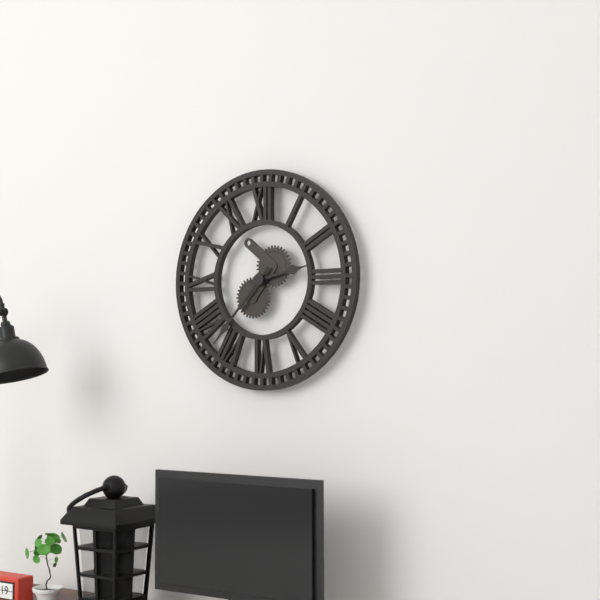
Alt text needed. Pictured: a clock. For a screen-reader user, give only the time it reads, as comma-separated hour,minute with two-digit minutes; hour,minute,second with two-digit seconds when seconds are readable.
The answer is 2,37
